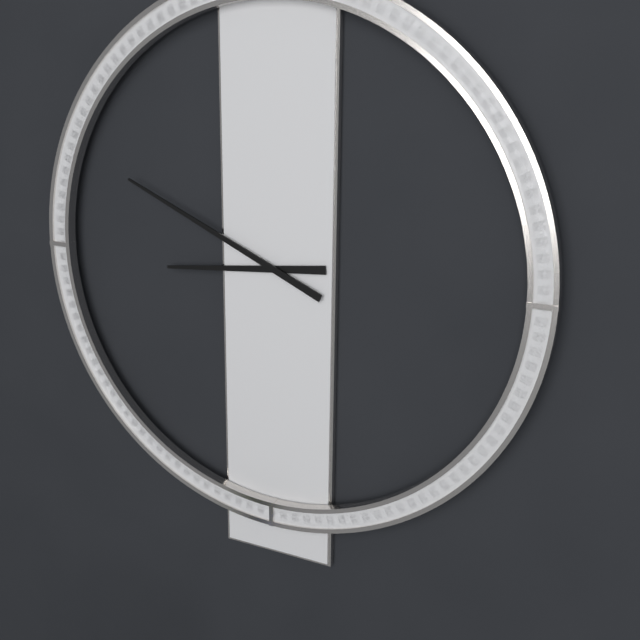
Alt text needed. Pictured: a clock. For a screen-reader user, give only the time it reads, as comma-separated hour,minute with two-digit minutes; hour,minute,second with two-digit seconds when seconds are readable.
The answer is 8,49
